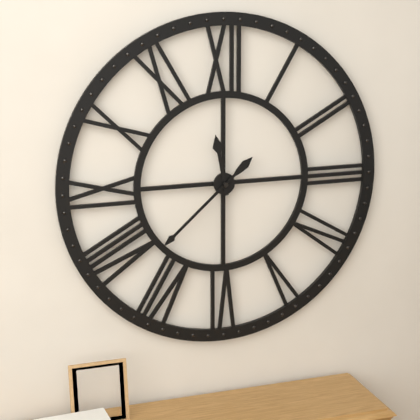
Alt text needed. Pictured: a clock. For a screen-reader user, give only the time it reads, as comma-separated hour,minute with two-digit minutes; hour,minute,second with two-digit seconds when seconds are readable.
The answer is 11,38
